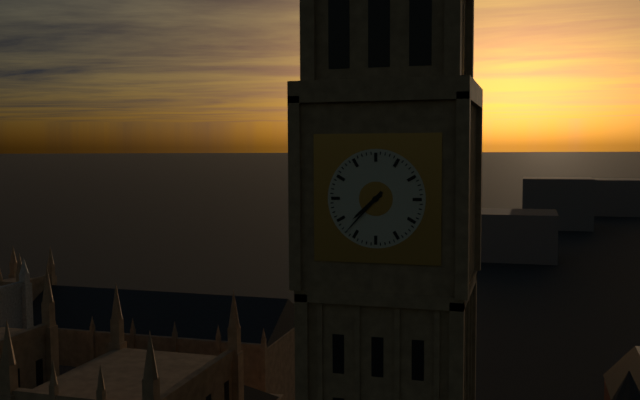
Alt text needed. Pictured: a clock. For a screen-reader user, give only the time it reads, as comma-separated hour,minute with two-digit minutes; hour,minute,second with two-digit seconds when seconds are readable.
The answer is 7,37
